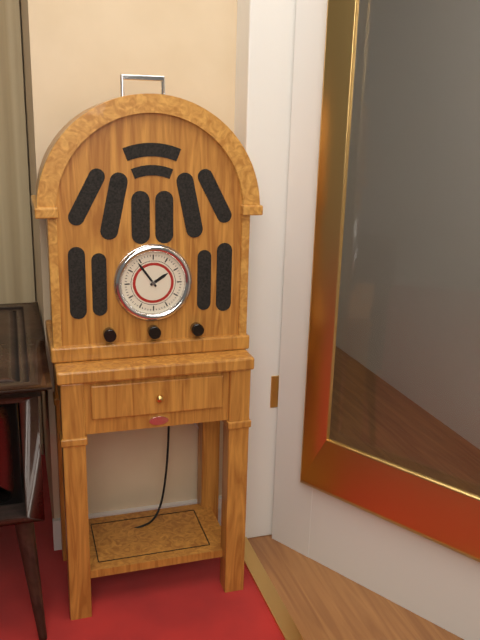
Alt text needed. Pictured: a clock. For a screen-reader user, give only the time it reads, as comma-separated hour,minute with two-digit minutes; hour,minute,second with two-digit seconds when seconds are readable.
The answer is 1,54
